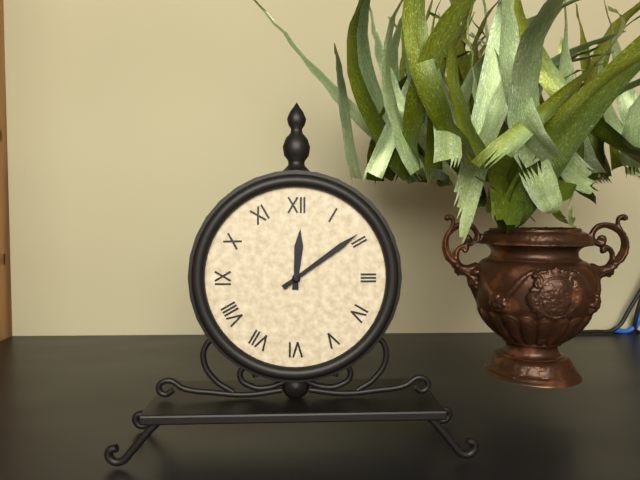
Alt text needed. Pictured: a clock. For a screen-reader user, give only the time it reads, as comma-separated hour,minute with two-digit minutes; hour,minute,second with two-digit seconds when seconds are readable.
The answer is 12,09
